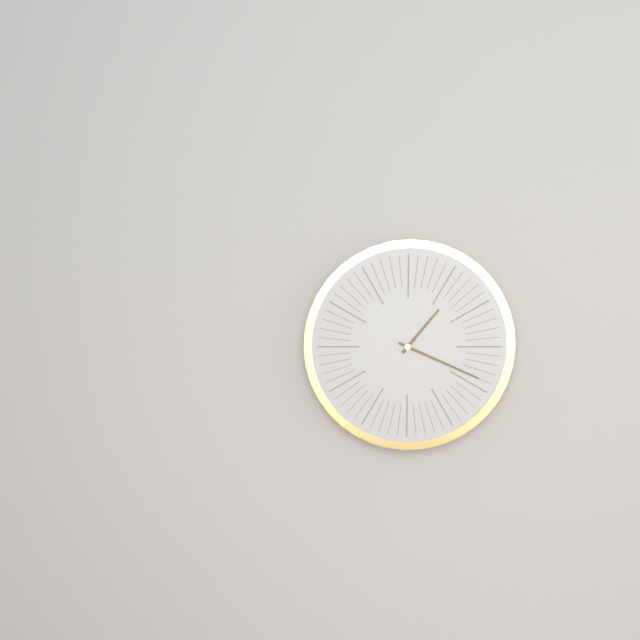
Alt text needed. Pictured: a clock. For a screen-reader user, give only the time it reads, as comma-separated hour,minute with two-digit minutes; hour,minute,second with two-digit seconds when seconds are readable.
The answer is 1,19
